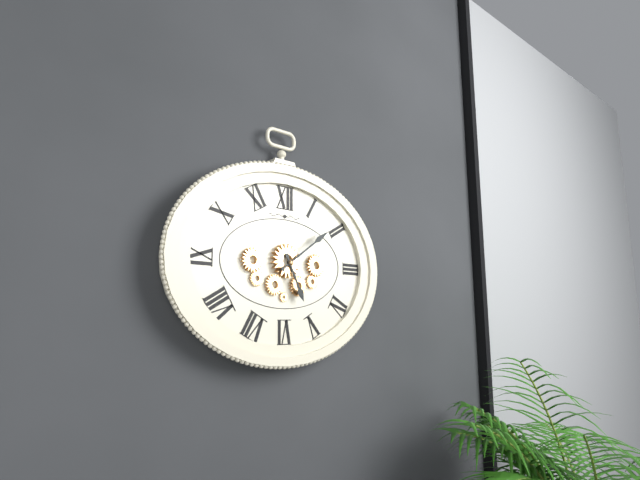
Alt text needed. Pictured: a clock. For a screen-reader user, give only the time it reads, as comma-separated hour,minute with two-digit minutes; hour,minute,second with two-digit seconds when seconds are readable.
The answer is 5,09
